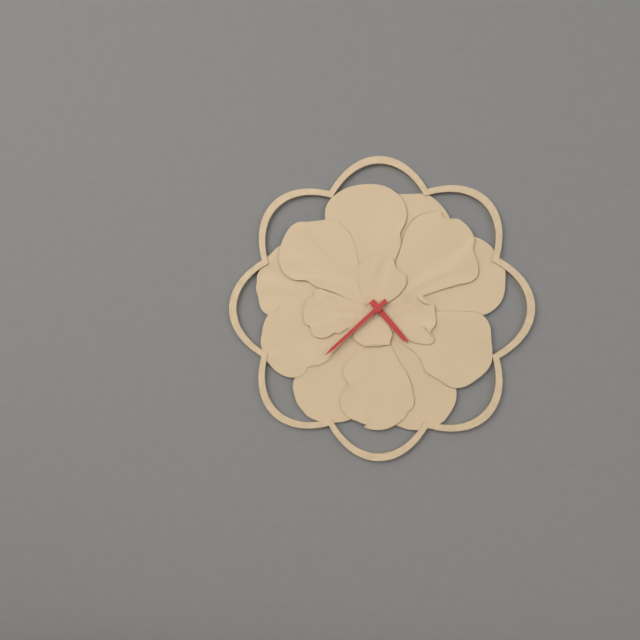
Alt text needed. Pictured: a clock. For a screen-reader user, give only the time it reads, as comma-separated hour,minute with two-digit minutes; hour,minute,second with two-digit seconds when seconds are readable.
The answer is 4,38
